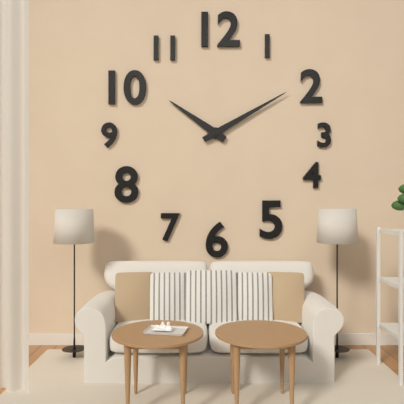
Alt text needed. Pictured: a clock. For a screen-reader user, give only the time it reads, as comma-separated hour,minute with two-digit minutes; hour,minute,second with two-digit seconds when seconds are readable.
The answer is 10,10
